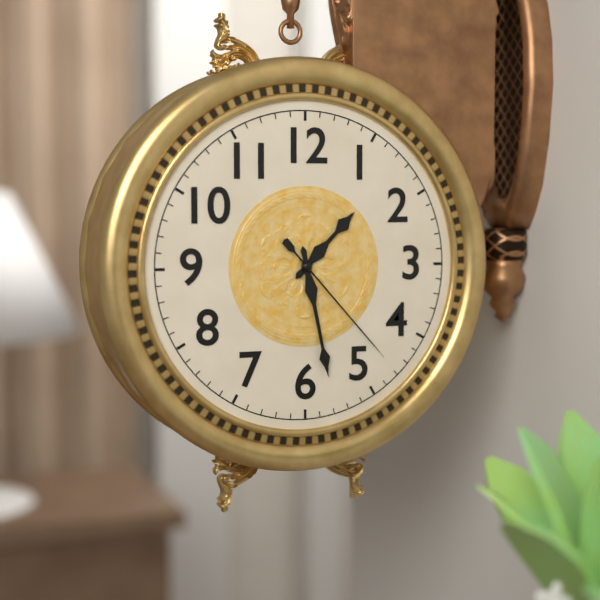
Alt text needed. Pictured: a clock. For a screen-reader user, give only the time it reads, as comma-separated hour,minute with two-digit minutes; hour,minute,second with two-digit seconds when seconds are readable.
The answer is 1,28,23
